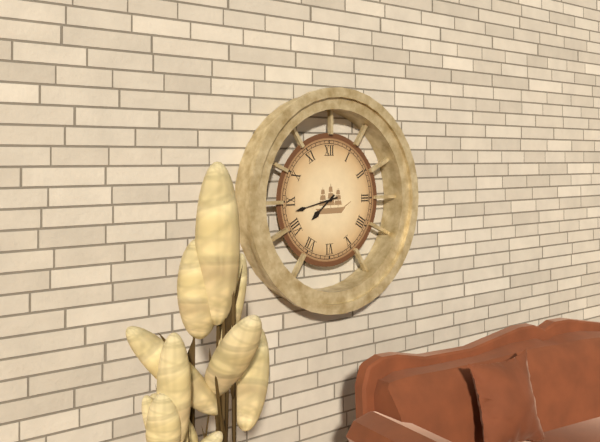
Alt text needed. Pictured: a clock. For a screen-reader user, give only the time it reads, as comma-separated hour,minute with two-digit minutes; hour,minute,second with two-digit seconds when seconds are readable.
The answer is 7,43
